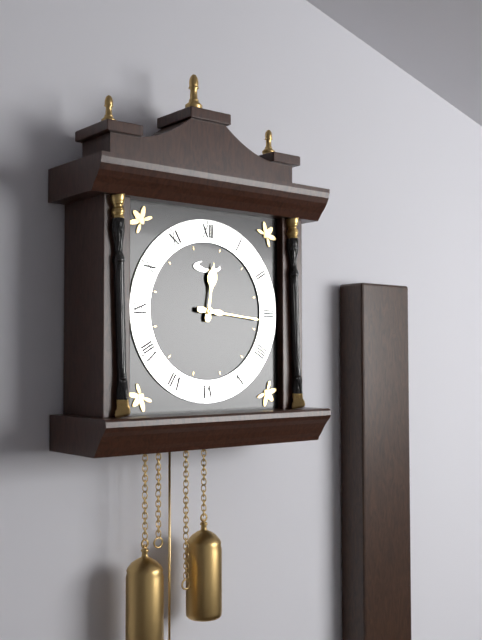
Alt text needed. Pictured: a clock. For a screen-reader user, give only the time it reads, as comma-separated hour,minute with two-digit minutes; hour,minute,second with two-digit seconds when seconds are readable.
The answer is 12,16
